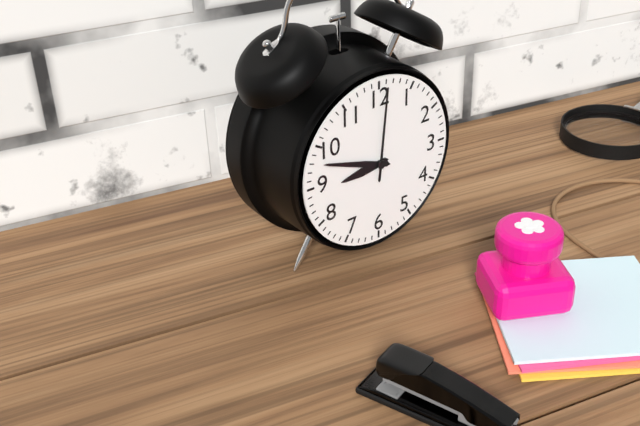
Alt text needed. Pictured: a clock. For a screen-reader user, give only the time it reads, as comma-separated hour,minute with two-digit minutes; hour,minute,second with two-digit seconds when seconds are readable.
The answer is 8,48,01
